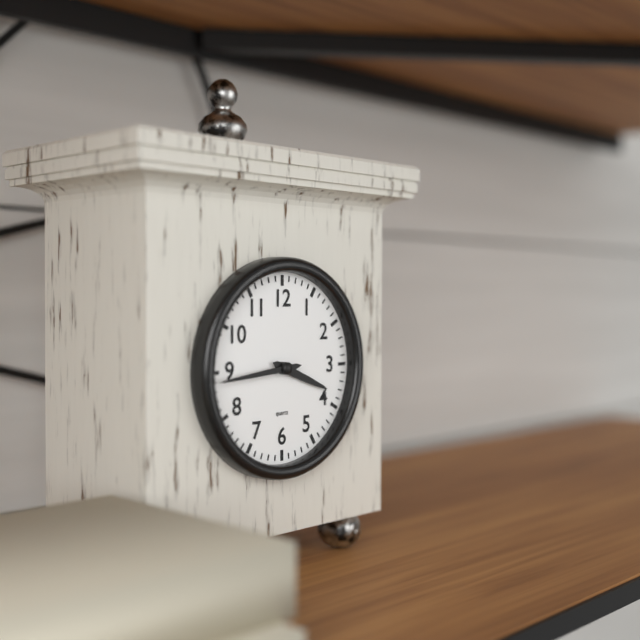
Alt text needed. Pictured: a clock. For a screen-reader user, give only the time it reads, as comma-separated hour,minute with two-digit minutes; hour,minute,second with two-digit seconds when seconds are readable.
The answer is 3,44
